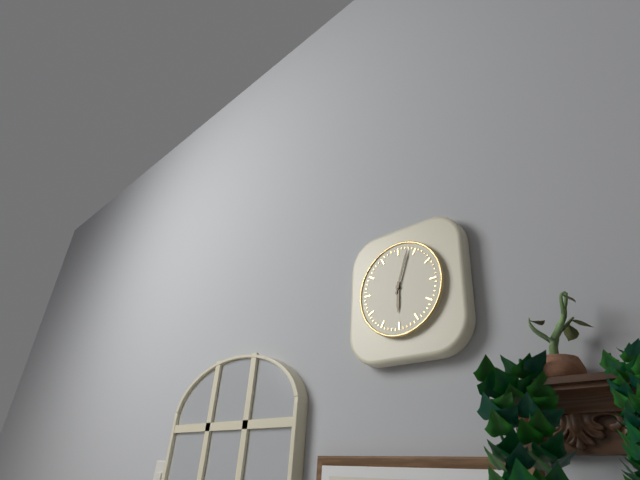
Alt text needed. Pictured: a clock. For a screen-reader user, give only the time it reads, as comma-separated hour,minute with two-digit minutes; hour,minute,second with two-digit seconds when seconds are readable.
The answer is 6,03
